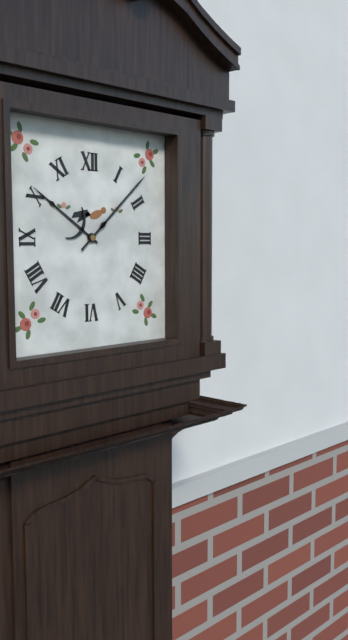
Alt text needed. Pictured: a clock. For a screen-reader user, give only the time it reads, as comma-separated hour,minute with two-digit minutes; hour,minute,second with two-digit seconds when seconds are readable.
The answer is 10,08
